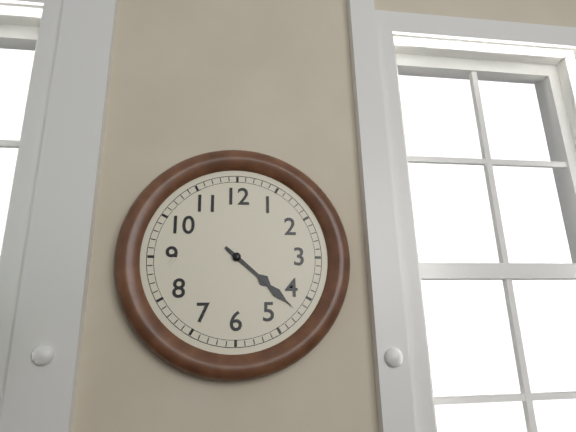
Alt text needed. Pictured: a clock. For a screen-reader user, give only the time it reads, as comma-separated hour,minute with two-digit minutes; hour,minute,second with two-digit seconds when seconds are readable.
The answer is 4,22
